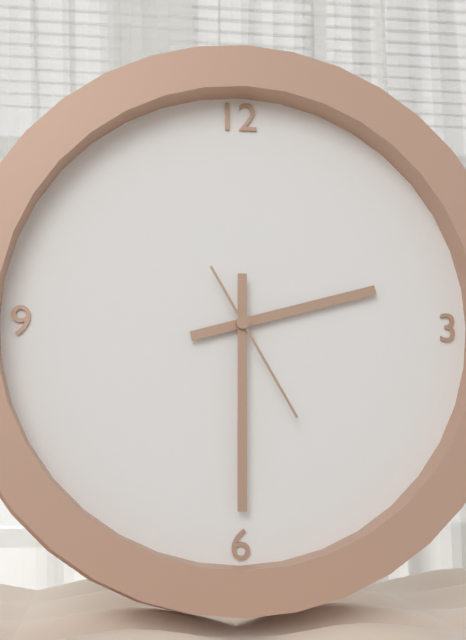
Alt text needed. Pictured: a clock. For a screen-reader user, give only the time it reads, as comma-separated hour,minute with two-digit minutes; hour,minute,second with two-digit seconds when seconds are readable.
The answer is 2,30,25
